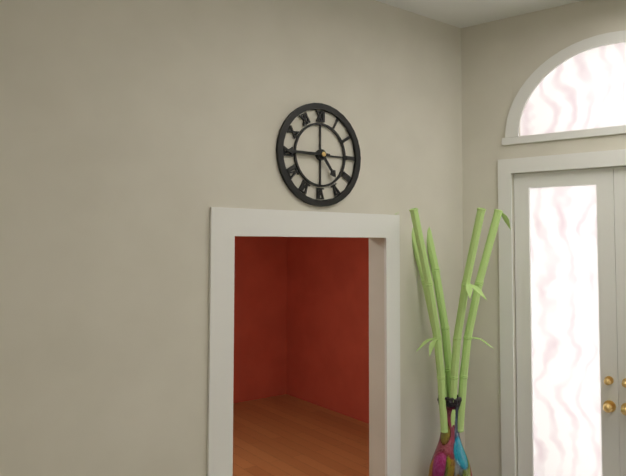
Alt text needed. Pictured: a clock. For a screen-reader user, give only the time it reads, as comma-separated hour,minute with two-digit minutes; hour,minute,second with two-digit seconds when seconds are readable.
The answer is 4,45
